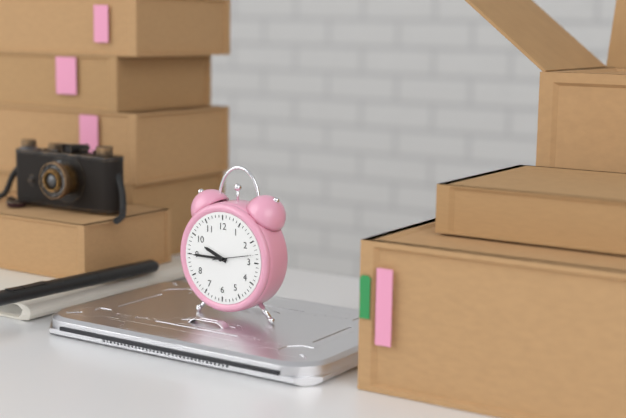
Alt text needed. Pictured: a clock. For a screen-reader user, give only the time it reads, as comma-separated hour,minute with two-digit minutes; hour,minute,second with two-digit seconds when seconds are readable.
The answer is 9,45
